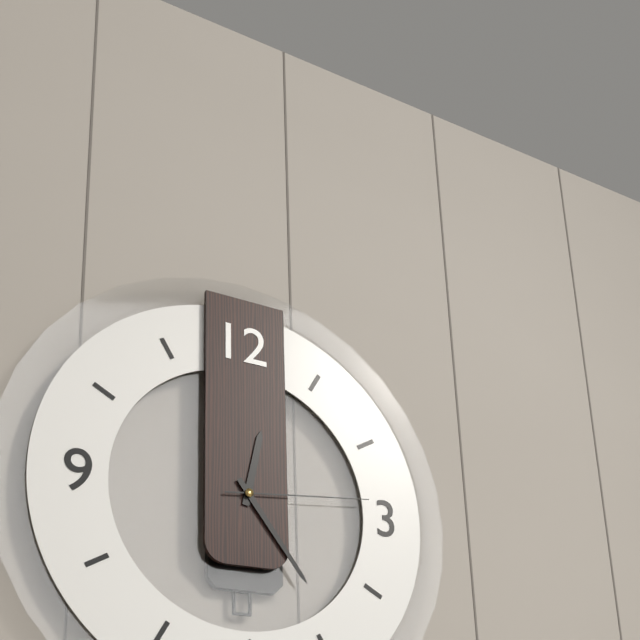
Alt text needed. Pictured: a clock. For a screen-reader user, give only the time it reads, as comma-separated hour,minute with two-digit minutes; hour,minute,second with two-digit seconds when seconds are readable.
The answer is 12,24,14
